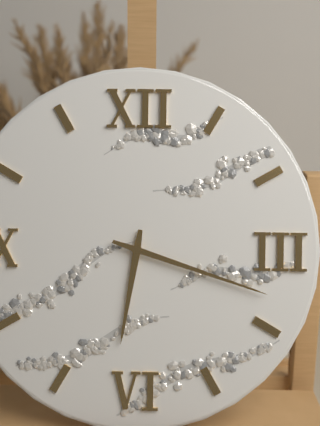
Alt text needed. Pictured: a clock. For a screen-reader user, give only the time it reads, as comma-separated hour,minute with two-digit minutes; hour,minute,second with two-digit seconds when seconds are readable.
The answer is 6,18
